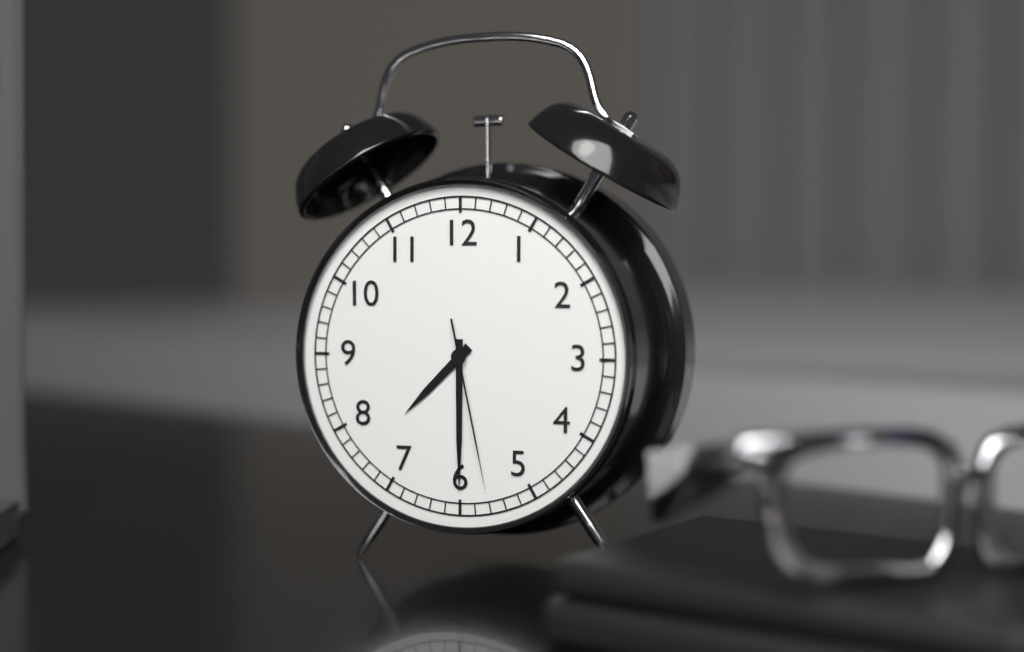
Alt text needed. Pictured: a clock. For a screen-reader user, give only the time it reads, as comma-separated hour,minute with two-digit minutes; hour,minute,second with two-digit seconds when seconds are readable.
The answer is 7,30,28
